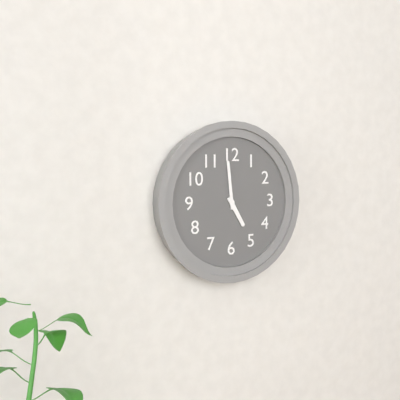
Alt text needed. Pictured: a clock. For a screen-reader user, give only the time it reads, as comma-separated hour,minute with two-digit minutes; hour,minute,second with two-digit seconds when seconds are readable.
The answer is 4,59
